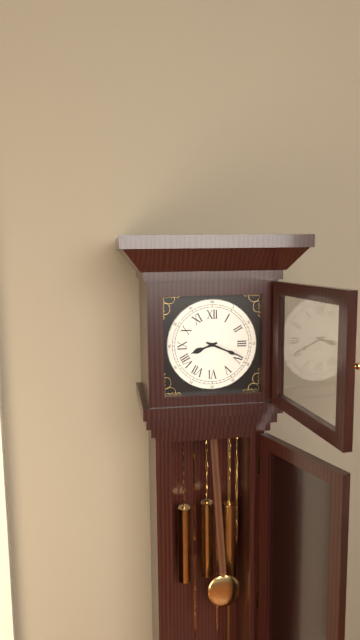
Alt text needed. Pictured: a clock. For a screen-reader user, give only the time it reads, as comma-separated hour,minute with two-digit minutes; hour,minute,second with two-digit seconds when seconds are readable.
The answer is 8,19
